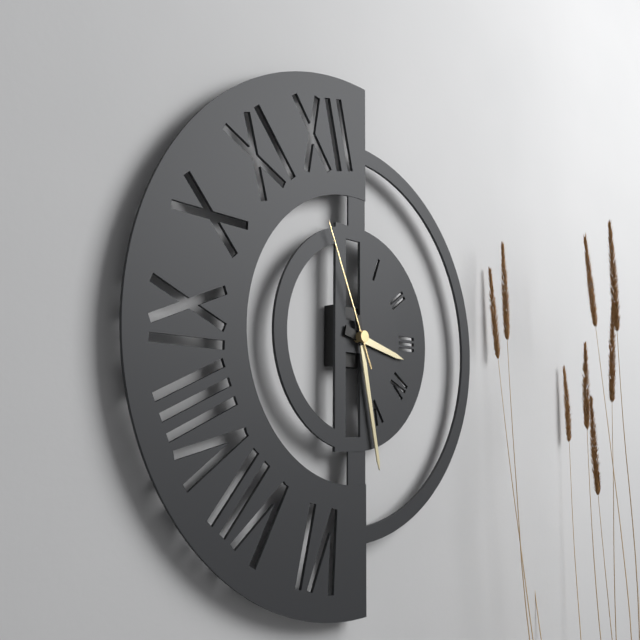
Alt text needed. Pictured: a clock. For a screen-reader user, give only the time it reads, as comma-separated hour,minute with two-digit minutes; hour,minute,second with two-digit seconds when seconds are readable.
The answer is 3,28,56
